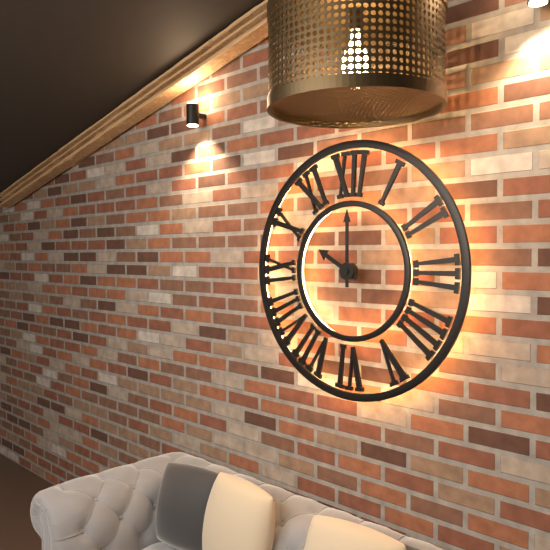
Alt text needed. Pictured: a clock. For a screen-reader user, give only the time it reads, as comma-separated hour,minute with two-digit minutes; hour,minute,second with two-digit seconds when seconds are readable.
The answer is 10,00
